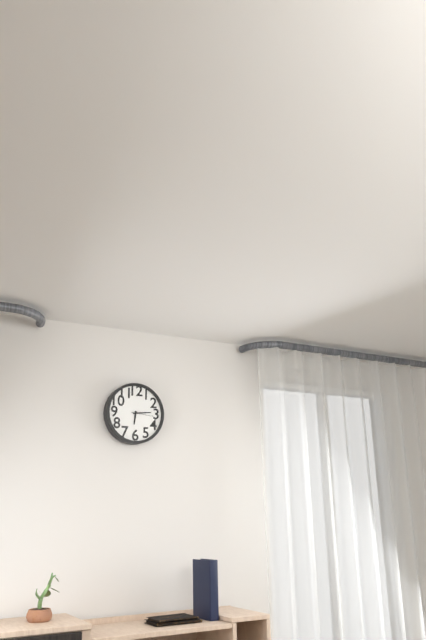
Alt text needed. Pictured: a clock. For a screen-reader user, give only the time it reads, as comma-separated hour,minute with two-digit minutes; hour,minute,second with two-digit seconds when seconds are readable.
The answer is 6,14
